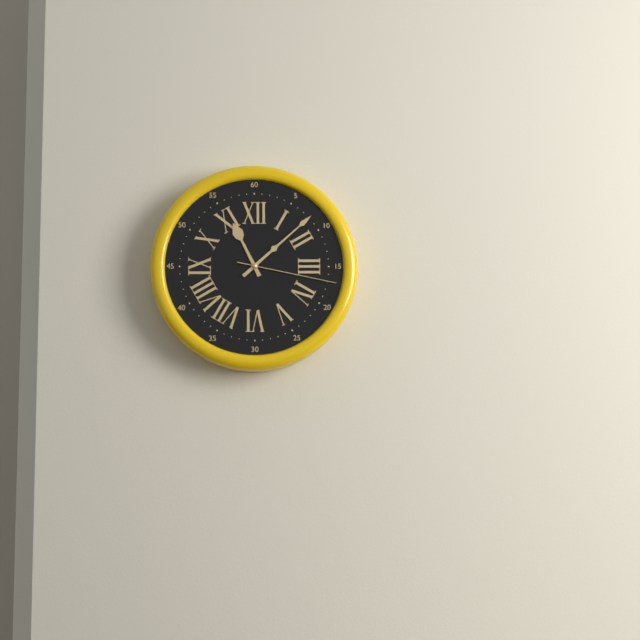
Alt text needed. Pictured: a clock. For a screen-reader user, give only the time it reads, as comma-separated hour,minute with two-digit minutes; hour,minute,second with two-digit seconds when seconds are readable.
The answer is 11,08,17
